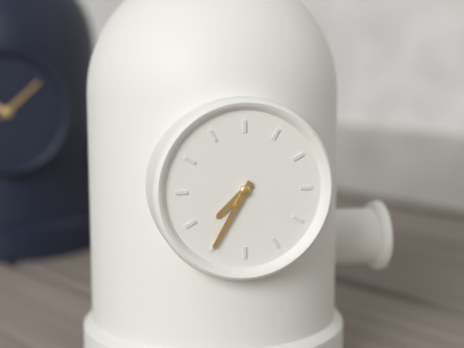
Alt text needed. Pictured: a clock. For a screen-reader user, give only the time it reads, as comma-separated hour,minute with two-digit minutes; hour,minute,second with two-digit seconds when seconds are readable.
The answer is 7,35
